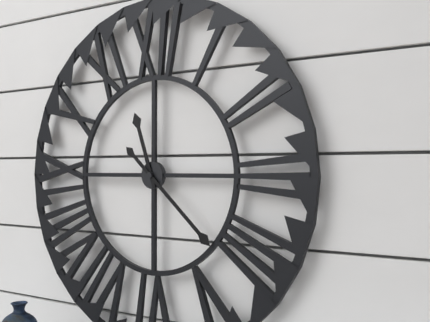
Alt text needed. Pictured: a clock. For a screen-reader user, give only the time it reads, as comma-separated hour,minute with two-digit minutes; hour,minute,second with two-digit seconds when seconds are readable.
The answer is 11,22
